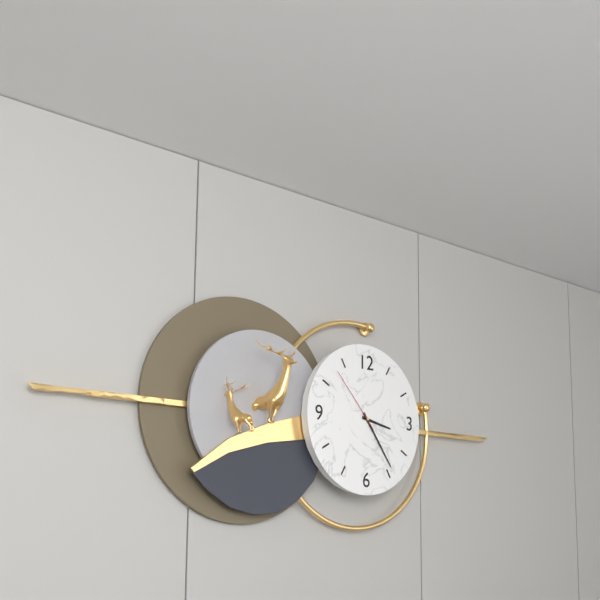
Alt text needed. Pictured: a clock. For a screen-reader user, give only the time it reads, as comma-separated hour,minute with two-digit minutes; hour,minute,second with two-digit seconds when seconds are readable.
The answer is 3,24,53
